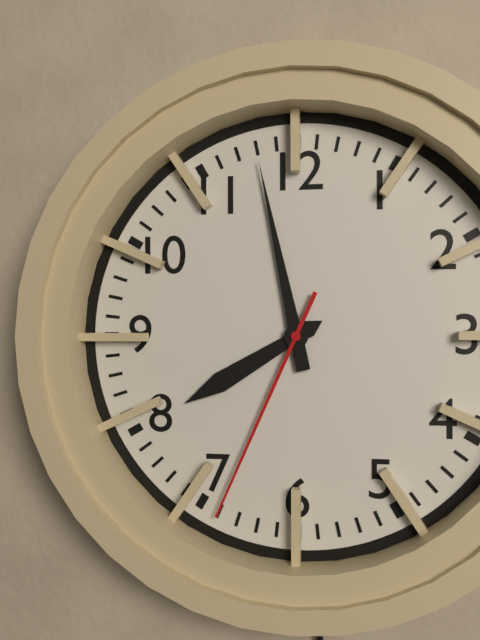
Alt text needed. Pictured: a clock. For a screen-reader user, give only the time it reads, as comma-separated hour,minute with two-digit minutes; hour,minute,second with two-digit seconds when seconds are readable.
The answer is 7,58,34
